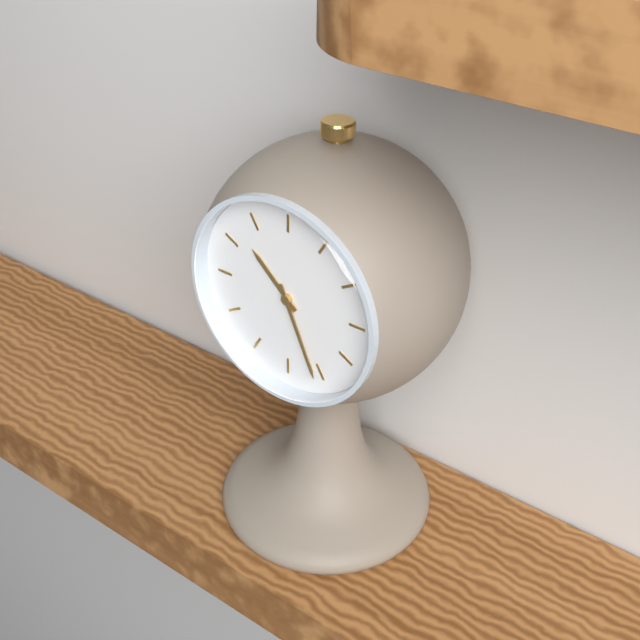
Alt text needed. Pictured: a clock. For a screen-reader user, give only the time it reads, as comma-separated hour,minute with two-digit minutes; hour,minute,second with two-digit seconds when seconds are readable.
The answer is 10,26
